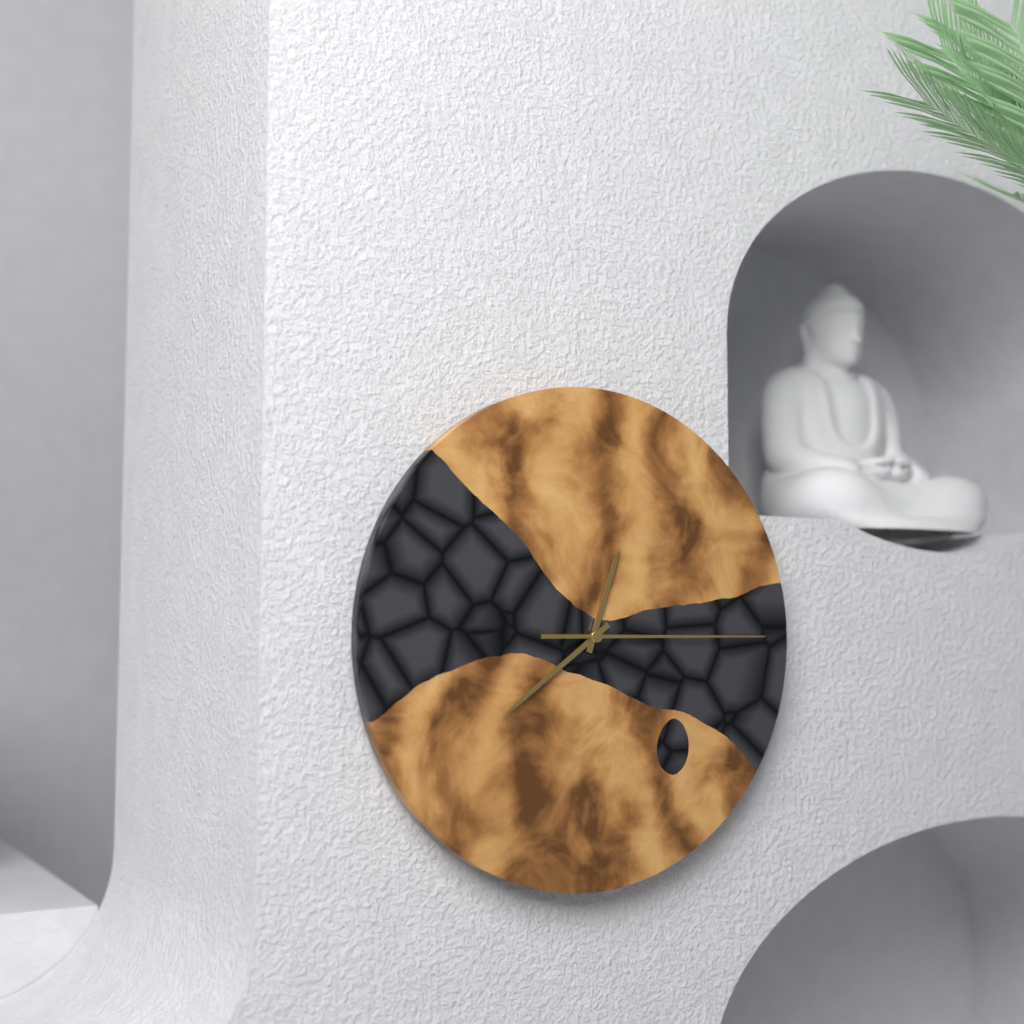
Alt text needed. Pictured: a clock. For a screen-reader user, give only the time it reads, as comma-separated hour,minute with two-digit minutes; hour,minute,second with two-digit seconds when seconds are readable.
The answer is 12,39,15
